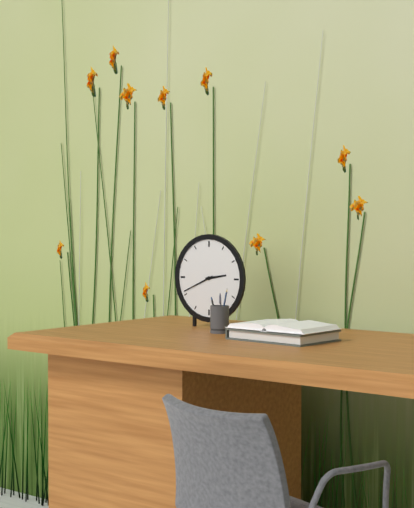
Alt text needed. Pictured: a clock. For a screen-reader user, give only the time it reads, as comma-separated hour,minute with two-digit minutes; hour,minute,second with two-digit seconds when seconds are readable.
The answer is 2,41
